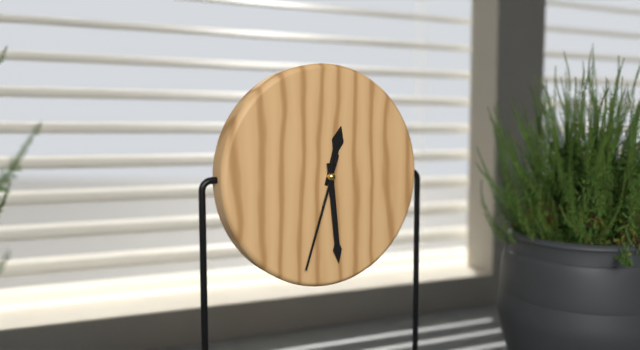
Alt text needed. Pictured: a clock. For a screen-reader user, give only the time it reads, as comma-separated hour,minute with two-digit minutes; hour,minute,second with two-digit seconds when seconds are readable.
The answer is 12,29,33
